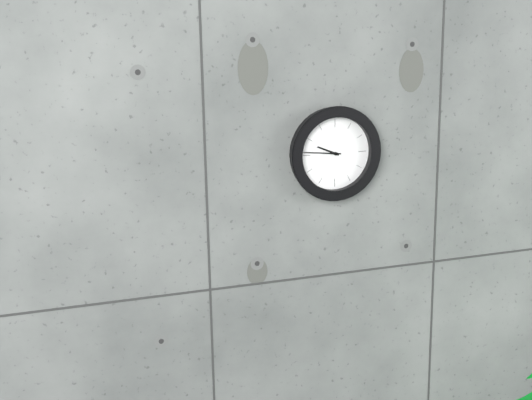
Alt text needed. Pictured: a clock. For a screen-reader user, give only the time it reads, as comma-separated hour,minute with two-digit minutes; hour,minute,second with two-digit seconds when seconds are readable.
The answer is 9,46
